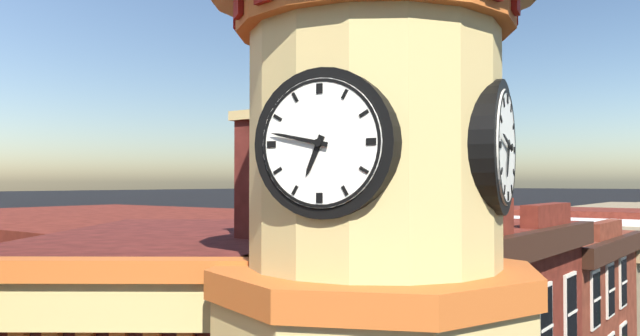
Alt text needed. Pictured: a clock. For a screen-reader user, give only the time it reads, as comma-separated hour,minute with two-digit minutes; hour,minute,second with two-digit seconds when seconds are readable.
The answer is 6,47
